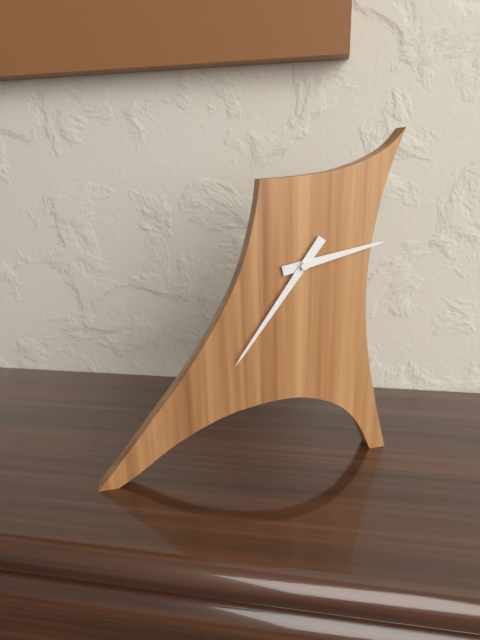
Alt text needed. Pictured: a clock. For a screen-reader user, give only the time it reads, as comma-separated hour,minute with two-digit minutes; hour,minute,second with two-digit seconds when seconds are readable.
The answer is 2,36
